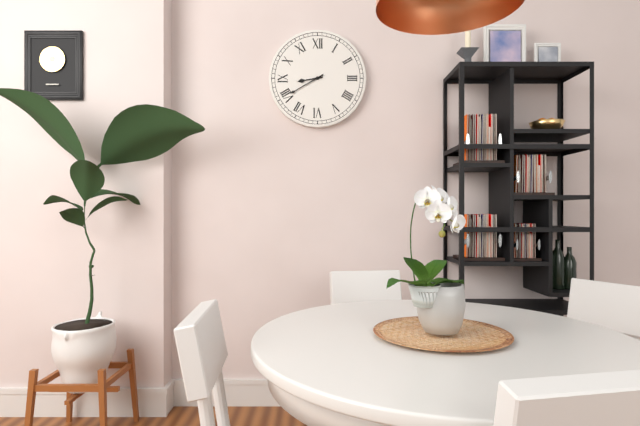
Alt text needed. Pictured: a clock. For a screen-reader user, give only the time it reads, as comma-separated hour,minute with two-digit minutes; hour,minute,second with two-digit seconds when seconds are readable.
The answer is 8,40
